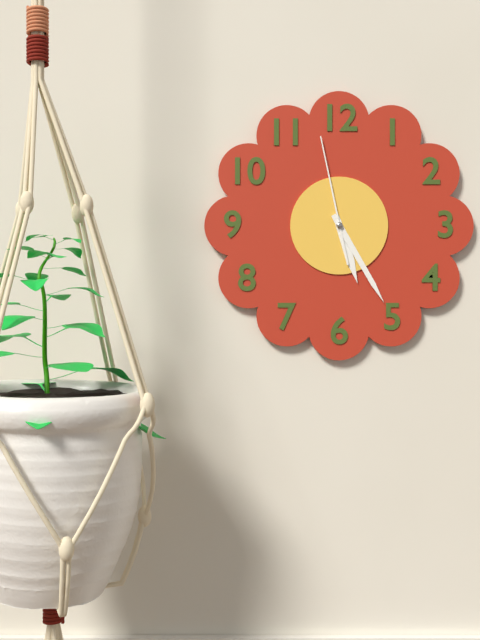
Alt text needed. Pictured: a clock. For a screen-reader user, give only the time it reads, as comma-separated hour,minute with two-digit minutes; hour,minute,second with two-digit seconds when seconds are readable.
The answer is 5,25,58
